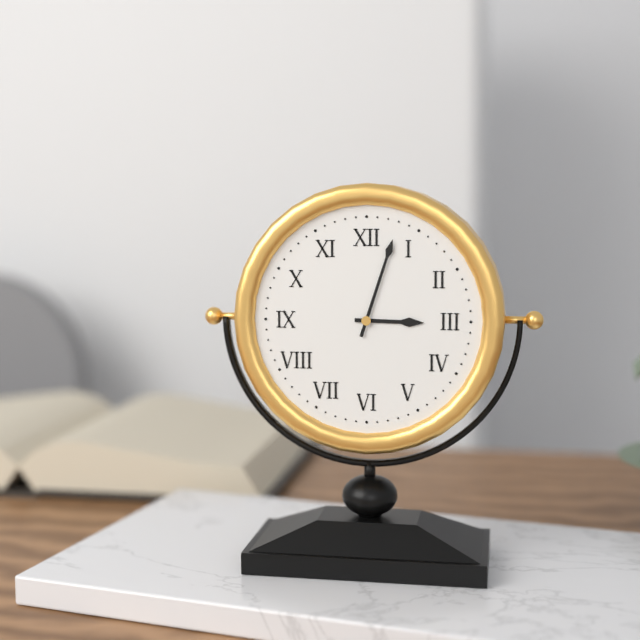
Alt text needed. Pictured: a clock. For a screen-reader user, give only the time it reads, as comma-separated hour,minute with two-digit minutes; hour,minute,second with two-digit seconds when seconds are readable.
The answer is 3,03
